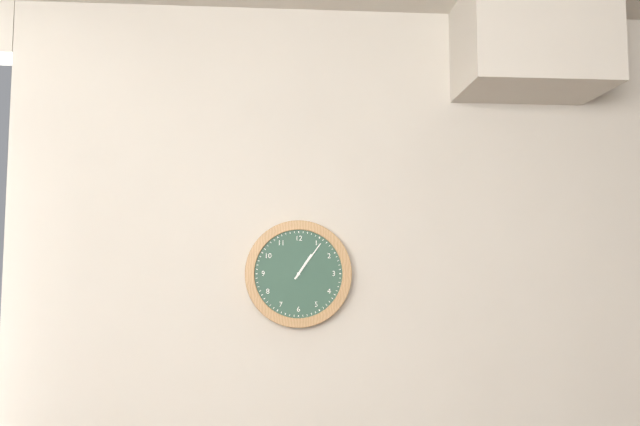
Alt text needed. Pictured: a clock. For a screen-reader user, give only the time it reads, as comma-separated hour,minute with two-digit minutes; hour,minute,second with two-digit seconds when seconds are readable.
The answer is 1,06
